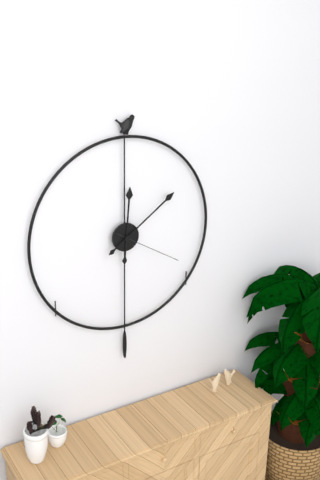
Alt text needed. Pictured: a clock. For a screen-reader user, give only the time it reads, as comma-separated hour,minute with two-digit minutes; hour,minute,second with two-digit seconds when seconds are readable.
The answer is 12,09,20
